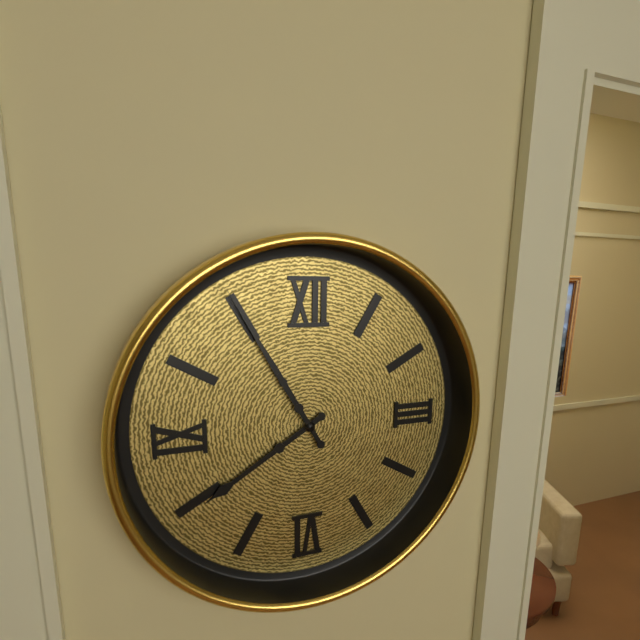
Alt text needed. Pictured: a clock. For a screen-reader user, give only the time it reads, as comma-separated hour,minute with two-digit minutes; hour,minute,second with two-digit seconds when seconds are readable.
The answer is 7,55
